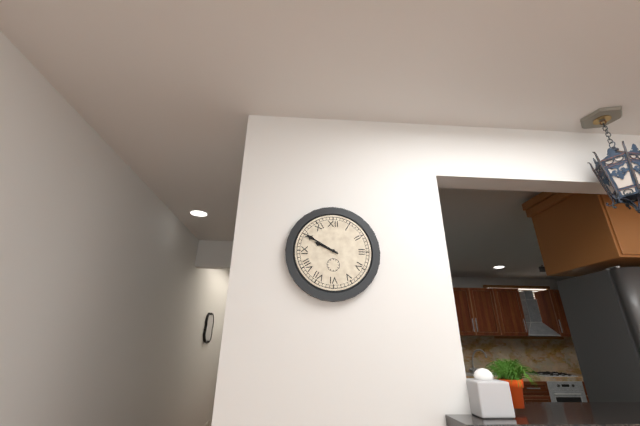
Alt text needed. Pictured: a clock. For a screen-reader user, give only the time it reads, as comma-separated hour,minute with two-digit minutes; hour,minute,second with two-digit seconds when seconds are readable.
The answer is 9,50
